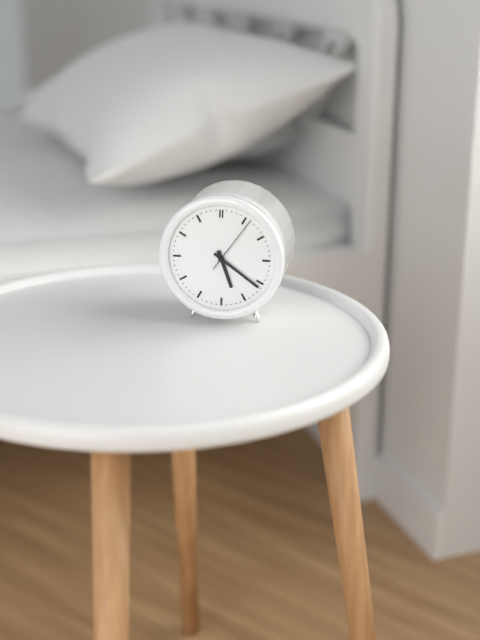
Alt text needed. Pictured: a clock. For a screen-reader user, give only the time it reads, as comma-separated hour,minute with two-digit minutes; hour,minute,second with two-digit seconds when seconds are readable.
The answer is 5,21,06
